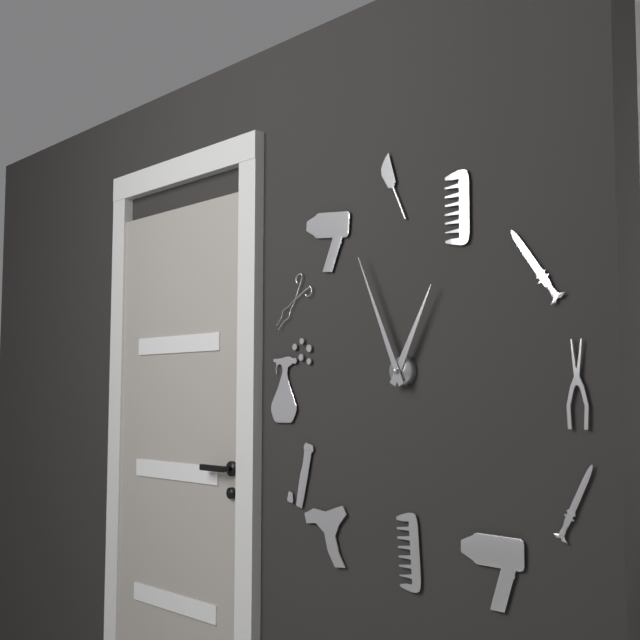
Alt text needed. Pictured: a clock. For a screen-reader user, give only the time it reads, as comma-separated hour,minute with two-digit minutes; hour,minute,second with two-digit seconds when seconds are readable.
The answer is 12,56
